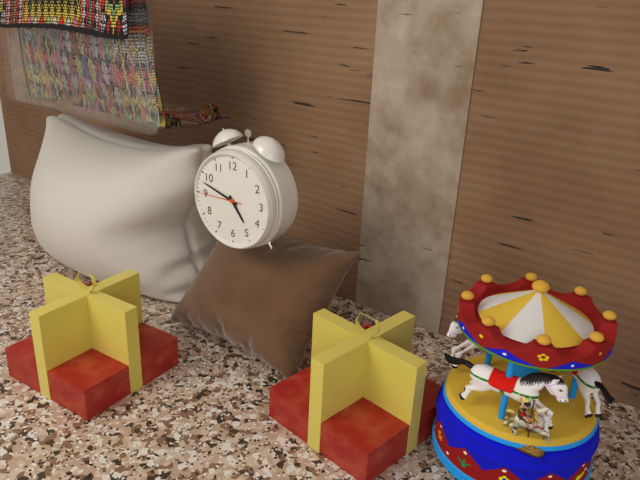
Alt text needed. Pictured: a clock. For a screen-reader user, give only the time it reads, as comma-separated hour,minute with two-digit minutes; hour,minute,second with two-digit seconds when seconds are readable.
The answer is 4,48
